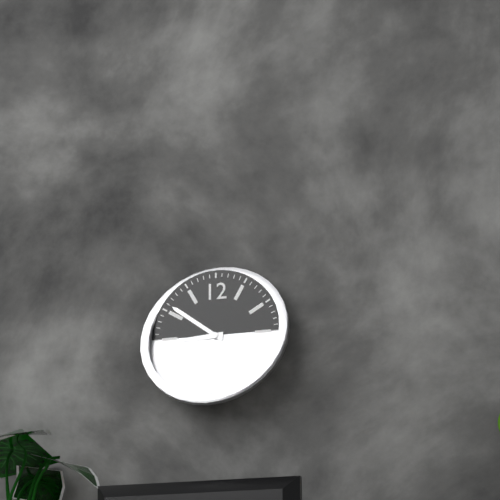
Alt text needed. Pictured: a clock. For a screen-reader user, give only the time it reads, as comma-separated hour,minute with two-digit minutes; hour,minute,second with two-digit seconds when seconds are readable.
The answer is 8,51
